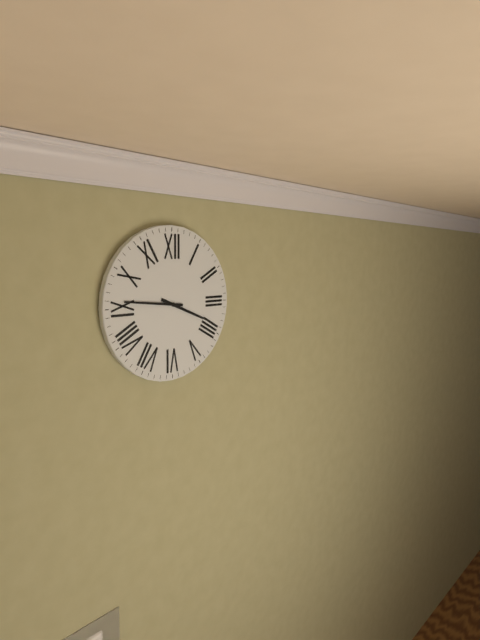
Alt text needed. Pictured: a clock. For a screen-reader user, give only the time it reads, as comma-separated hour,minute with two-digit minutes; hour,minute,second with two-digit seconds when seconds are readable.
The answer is 3,46
